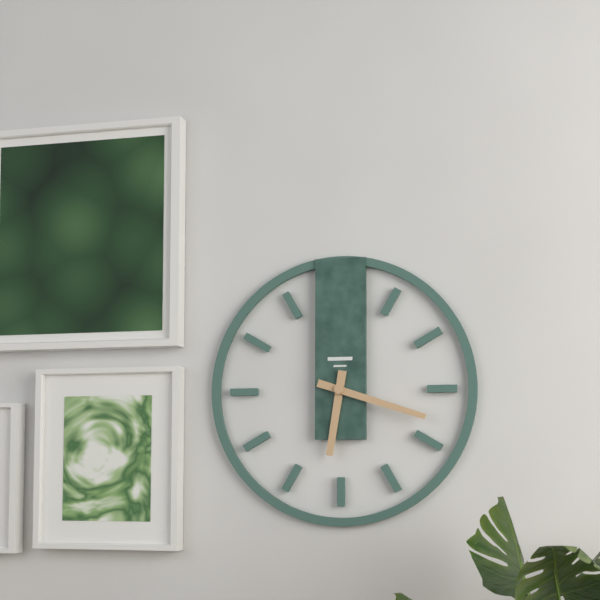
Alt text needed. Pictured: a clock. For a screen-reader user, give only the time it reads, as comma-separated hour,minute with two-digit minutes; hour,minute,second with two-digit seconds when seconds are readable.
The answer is 6,18
